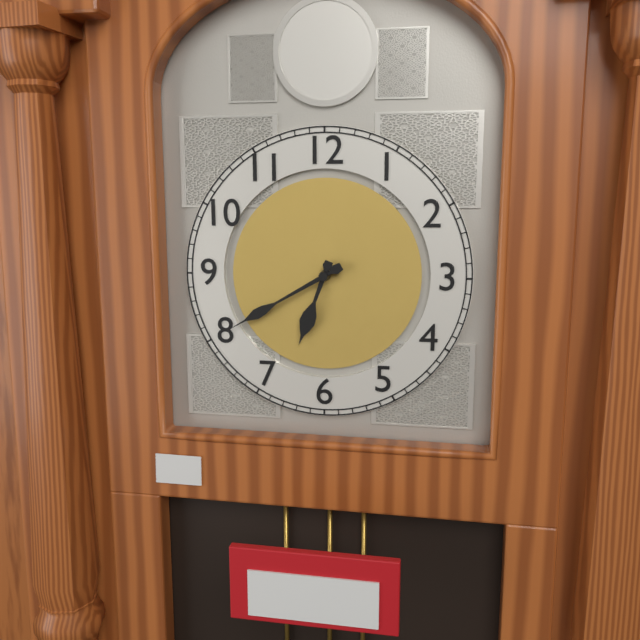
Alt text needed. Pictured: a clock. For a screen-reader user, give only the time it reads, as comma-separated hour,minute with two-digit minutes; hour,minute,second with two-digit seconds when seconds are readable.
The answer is 6,40
